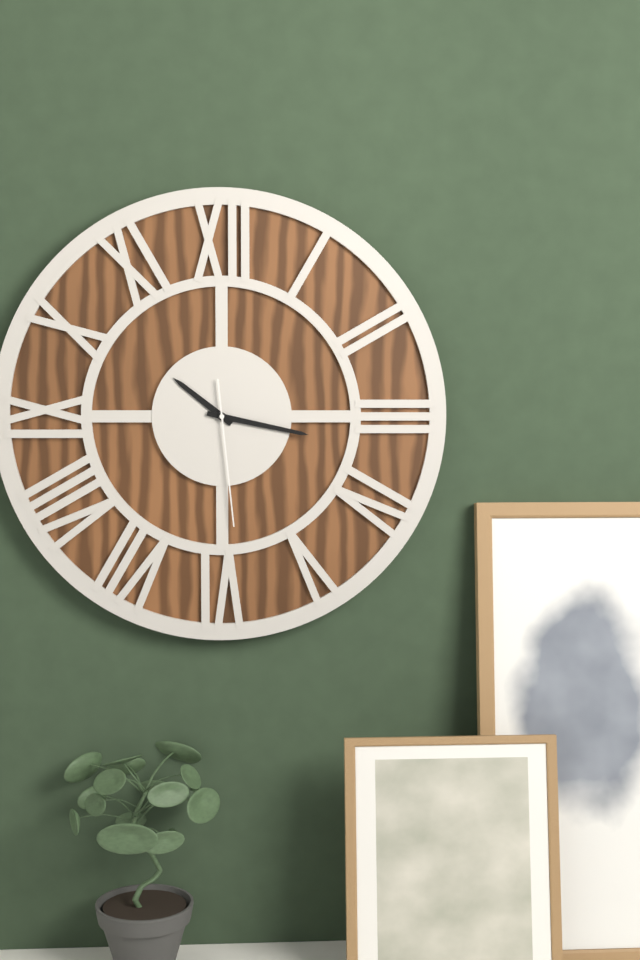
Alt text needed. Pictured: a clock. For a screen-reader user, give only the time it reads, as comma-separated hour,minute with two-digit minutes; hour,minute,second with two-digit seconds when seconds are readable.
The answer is 10,17,29
